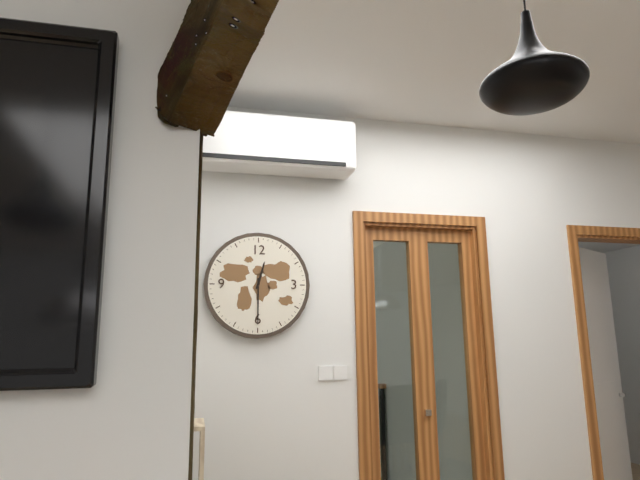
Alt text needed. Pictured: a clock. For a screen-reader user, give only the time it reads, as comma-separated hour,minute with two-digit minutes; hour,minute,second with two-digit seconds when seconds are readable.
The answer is 12,30
